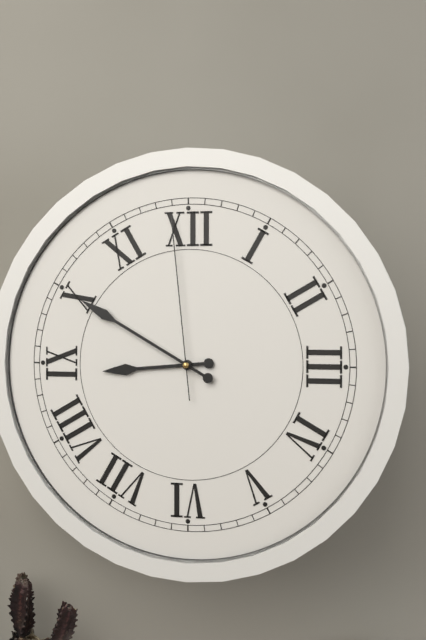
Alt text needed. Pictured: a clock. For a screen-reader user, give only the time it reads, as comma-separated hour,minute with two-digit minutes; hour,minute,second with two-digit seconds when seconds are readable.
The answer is 8,50,59
